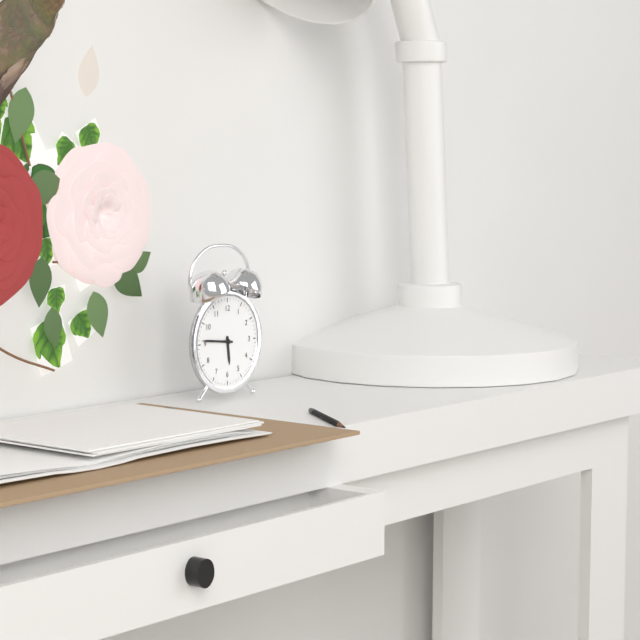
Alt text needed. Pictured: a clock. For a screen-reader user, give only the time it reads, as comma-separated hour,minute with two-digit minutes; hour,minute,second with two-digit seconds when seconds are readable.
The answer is 5,46
